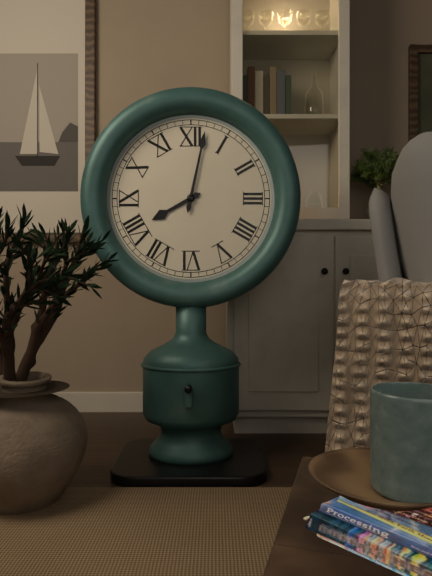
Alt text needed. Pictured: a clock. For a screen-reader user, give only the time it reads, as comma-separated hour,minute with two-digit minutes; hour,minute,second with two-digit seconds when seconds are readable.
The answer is 8,02
